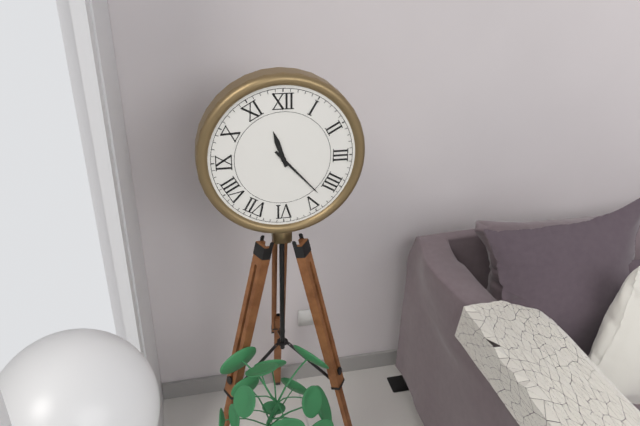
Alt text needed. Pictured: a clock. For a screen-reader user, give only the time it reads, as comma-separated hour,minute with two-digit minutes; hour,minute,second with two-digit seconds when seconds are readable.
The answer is 11,23
